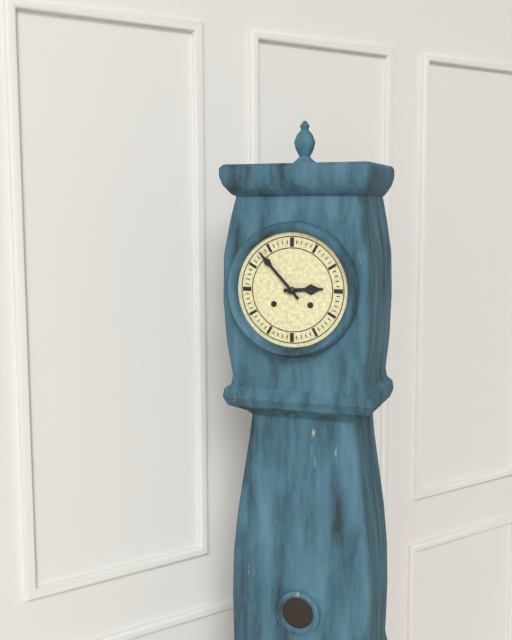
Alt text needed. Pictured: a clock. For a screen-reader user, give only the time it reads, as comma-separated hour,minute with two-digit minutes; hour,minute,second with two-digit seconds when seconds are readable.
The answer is 2,53
